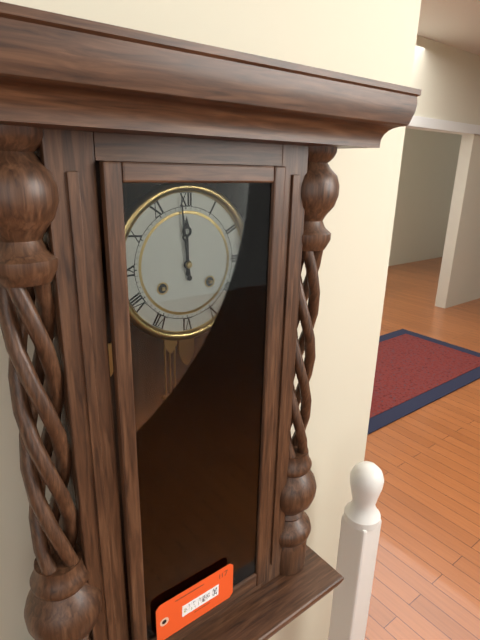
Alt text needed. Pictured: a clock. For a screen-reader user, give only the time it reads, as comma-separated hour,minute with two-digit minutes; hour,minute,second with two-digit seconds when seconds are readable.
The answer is 11,59
